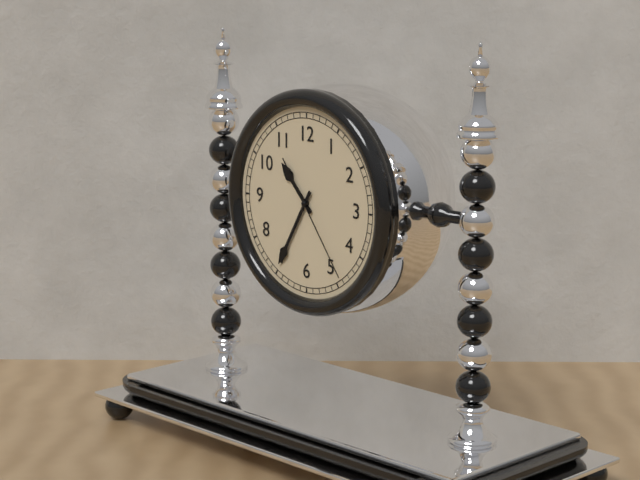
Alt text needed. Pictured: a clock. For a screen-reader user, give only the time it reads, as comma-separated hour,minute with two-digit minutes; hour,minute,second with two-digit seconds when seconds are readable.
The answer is 10,35,24
